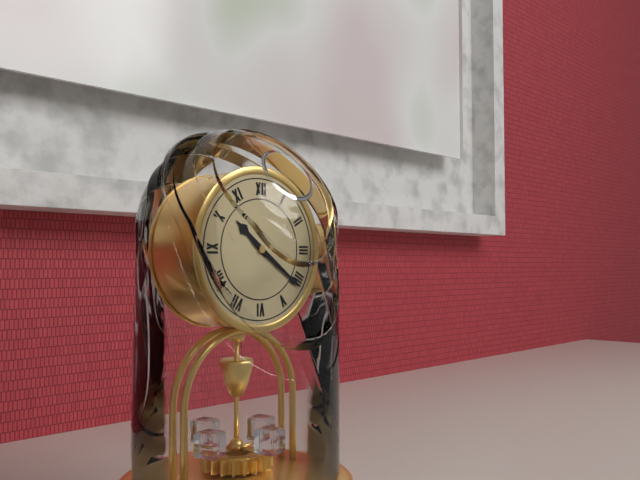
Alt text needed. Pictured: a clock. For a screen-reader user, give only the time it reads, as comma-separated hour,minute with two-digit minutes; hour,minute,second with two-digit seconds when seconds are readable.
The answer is 10,21
